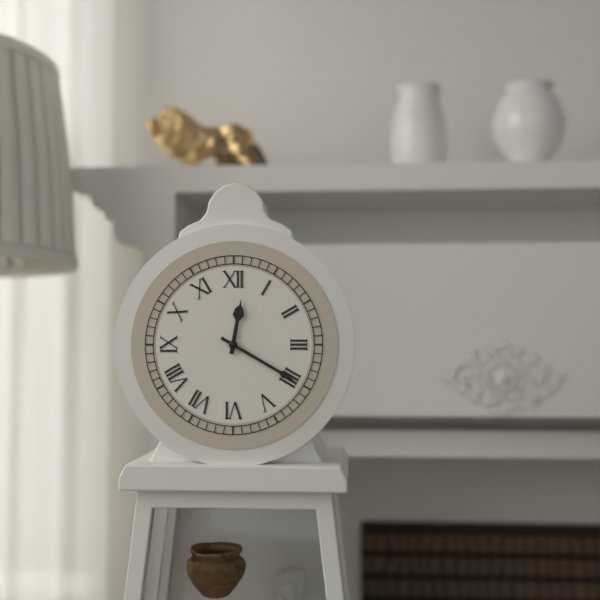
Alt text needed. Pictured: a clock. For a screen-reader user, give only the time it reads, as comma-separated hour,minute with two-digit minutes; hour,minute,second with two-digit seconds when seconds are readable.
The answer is 12,20
